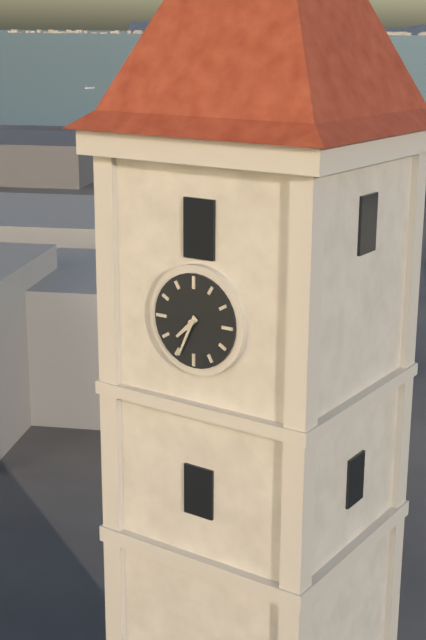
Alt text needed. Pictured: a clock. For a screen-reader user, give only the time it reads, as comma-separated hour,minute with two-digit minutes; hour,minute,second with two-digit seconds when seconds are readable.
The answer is 7,34
